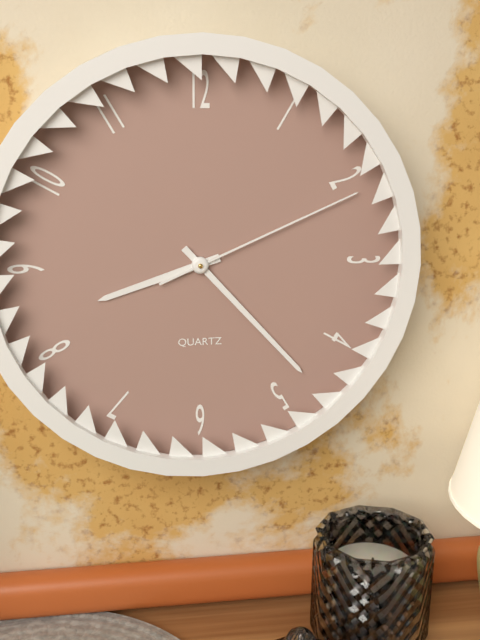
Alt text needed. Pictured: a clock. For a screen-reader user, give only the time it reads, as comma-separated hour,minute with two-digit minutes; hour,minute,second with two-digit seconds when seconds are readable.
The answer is 8,23,11
